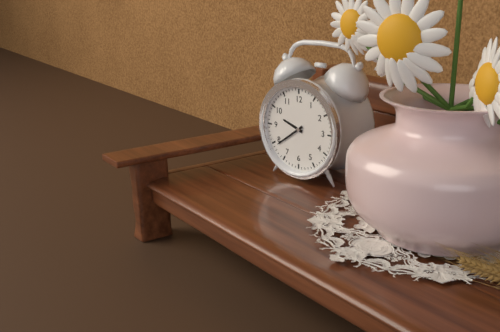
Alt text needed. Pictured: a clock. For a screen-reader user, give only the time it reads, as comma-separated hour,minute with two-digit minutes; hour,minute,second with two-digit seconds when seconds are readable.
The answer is 9,39
